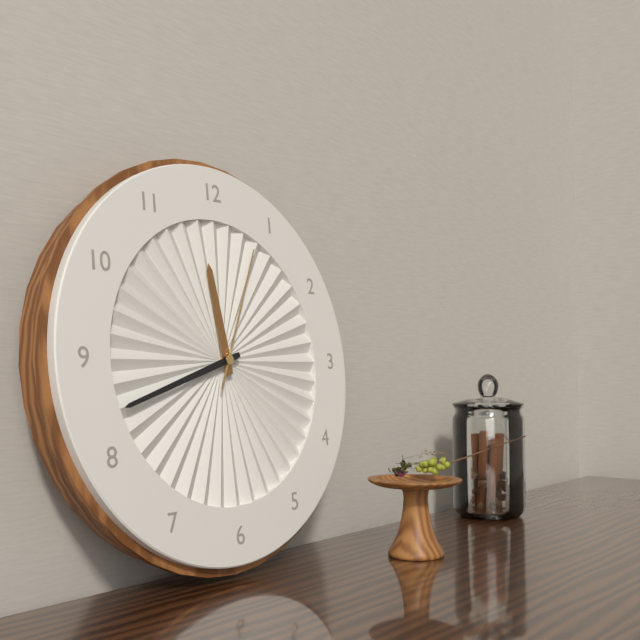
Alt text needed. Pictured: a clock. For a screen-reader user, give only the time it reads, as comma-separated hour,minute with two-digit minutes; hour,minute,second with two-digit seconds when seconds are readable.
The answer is 11,42,04
